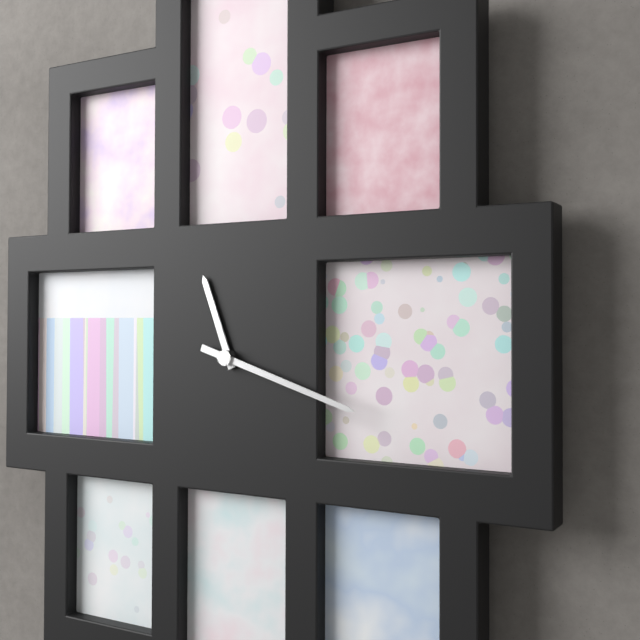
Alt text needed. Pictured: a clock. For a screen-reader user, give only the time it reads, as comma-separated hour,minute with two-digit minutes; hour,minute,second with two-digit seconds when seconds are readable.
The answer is 11,18
